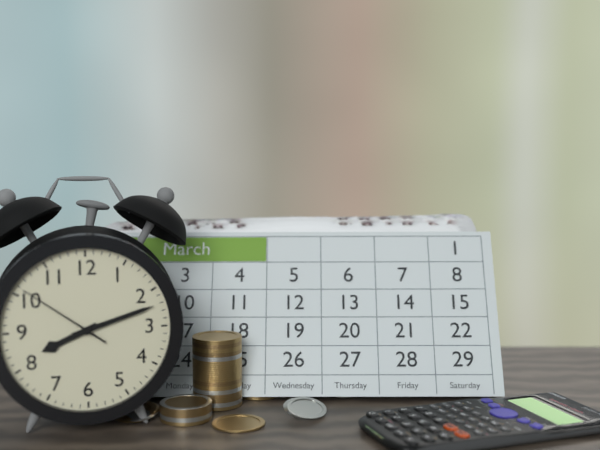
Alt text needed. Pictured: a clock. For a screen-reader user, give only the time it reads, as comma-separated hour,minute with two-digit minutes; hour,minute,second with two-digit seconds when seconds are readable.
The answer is 8,12,51
